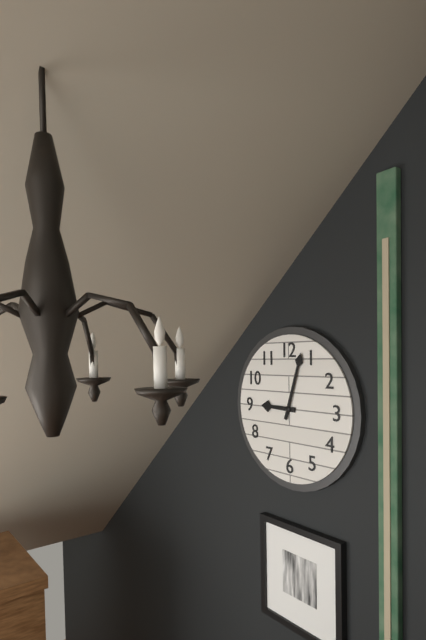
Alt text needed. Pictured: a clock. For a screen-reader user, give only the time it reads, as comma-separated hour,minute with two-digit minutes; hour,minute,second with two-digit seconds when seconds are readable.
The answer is 9,03
